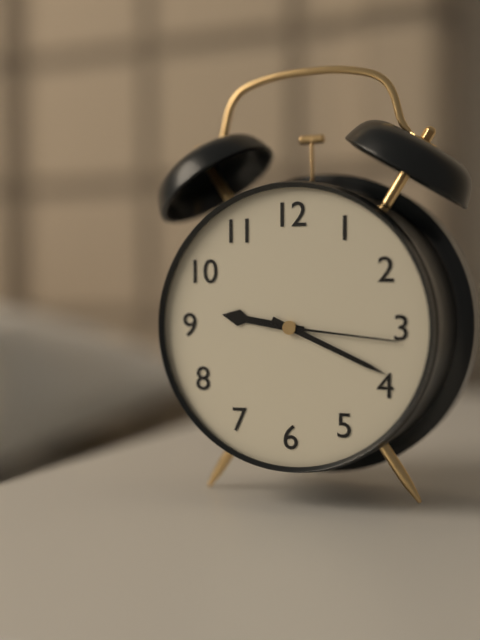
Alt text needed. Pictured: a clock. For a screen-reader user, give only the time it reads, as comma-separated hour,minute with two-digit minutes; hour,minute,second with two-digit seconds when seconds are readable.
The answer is 9,19,16
